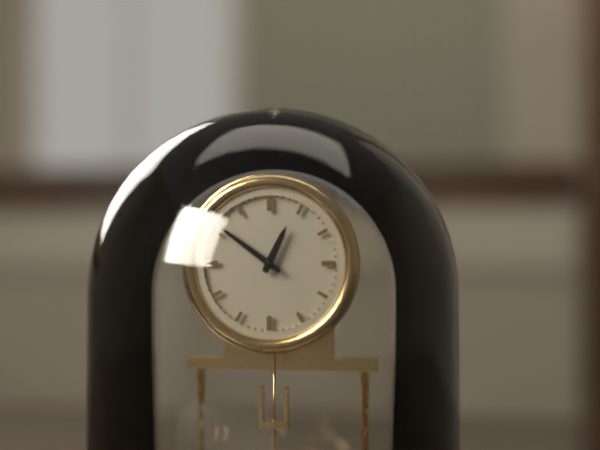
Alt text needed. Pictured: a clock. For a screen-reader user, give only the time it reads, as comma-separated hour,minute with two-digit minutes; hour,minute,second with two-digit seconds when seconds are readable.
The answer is 12,51
